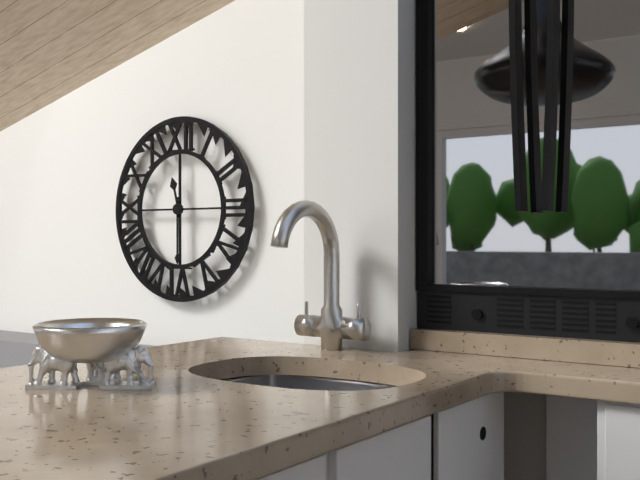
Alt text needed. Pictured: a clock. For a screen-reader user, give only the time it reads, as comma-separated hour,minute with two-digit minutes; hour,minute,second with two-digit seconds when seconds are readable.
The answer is 11,30
